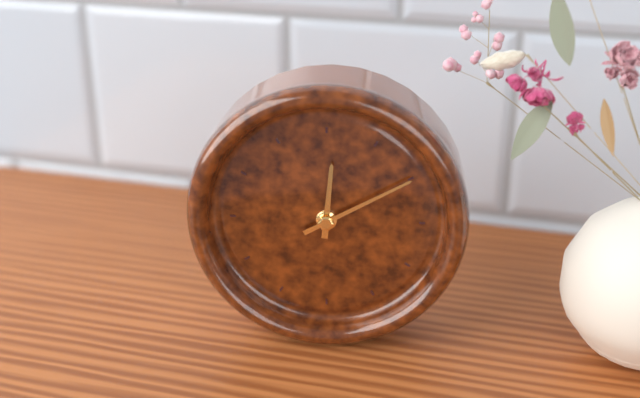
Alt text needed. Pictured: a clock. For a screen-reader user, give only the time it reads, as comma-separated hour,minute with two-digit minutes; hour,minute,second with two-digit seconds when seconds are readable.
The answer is 12,10
